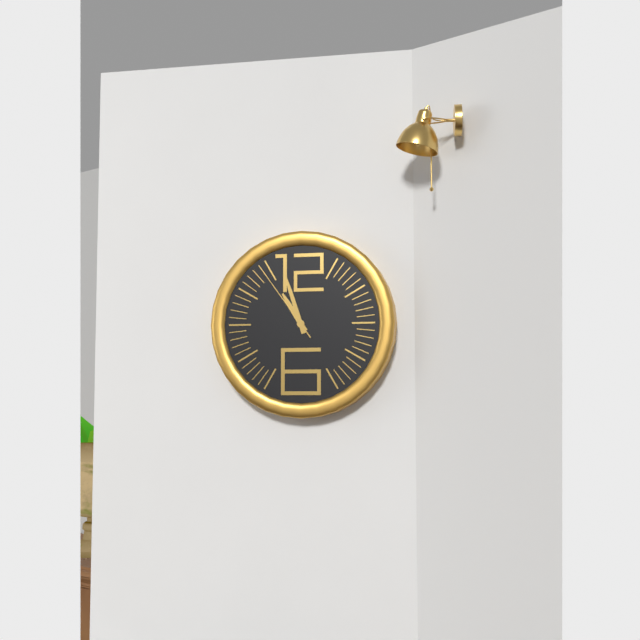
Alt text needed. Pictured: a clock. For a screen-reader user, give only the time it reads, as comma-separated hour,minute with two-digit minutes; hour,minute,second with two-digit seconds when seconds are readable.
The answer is 10,57,54
